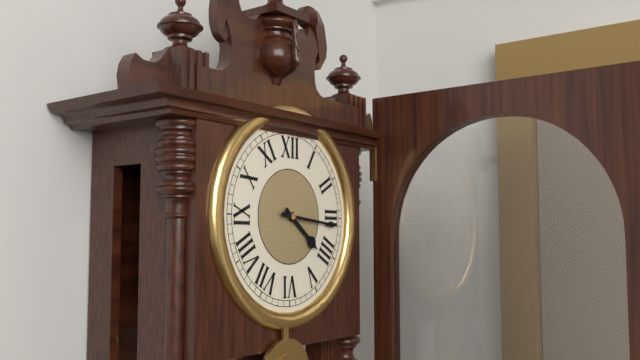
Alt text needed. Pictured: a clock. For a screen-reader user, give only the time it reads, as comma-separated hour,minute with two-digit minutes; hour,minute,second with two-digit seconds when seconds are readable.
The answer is 4,16
